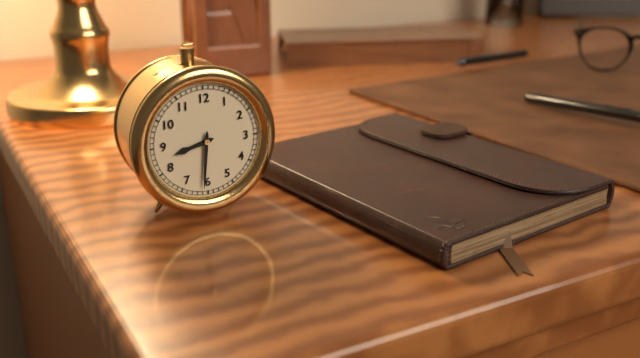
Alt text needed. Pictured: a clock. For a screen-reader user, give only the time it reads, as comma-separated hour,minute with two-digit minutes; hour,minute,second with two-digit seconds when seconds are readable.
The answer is 8,31
